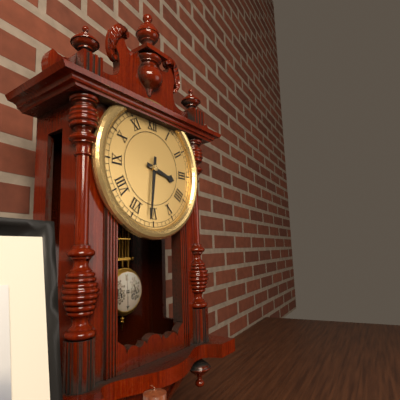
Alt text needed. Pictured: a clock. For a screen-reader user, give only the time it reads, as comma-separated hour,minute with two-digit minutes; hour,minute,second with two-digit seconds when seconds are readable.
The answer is 3,31
